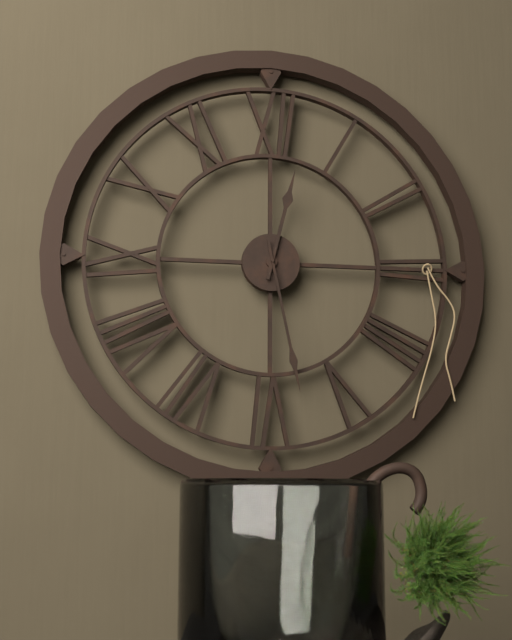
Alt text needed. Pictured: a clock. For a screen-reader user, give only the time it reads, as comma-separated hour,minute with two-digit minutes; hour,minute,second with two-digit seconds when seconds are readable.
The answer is 12,28
